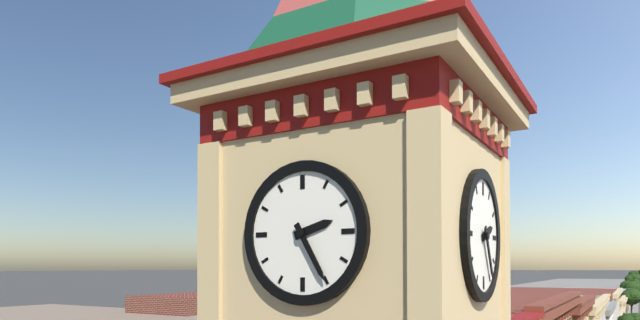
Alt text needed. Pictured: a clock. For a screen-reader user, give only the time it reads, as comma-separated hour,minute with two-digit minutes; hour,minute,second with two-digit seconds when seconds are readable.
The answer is 2,25
